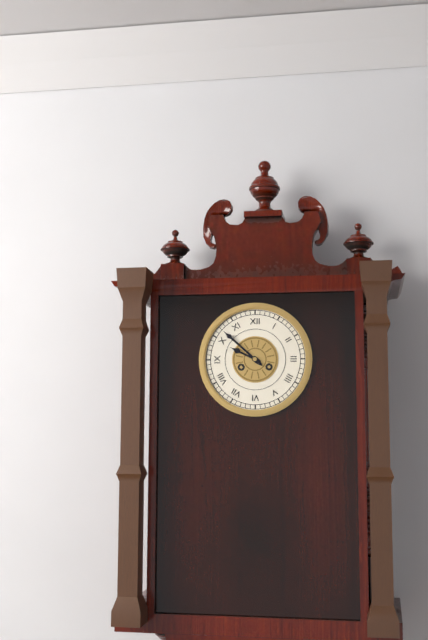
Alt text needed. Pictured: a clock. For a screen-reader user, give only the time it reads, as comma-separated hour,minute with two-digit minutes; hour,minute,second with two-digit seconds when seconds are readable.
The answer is 9,52
